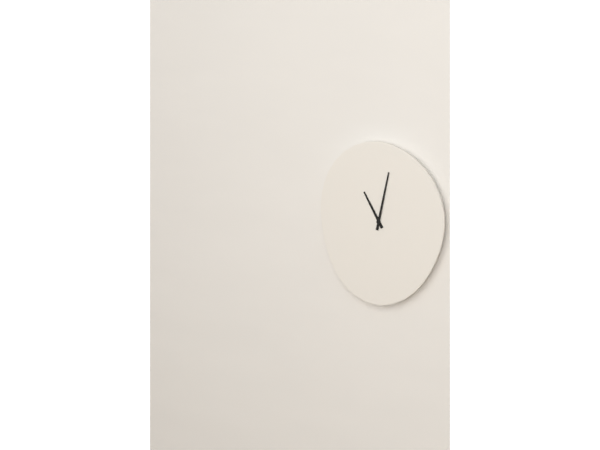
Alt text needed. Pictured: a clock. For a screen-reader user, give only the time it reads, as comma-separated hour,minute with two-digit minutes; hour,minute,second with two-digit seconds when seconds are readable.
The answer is 11,02
